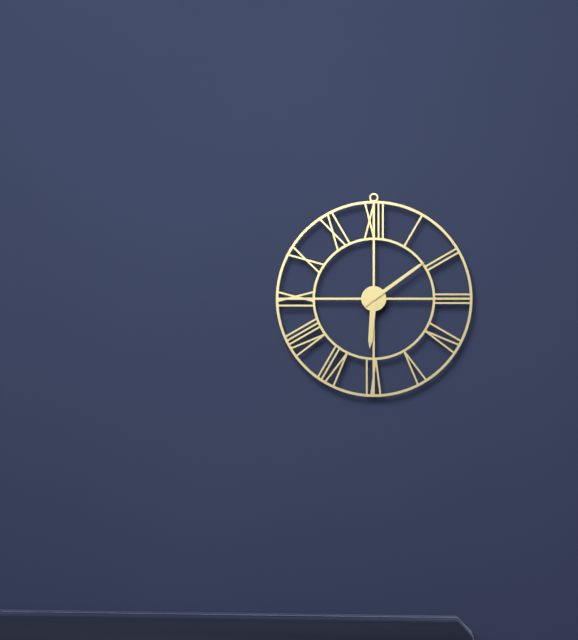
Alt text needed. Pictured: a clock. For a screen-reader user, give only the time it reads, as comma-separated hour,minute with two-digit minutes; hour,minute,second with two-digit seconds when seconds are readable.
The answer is 6,09
